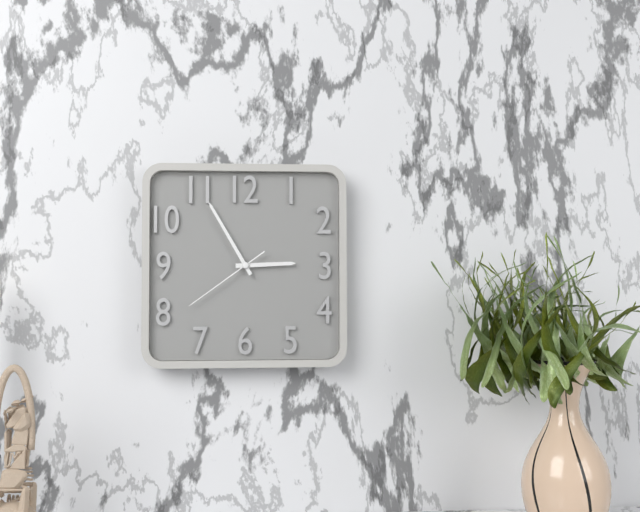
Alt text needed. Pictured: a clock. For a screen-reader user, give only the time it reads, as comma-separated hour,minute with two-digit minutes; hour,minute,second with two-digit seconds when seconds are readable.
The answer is 2,55,39
